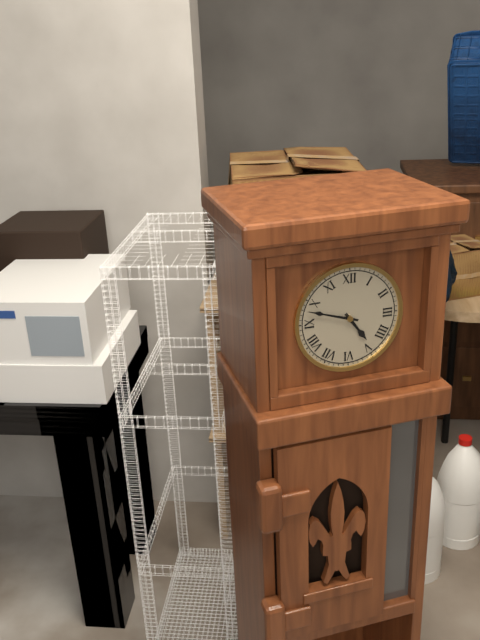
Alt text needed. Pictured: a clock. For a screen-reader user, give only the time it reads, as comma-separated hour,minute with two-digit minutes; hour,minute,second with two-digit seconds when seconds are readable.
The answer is 4,48
